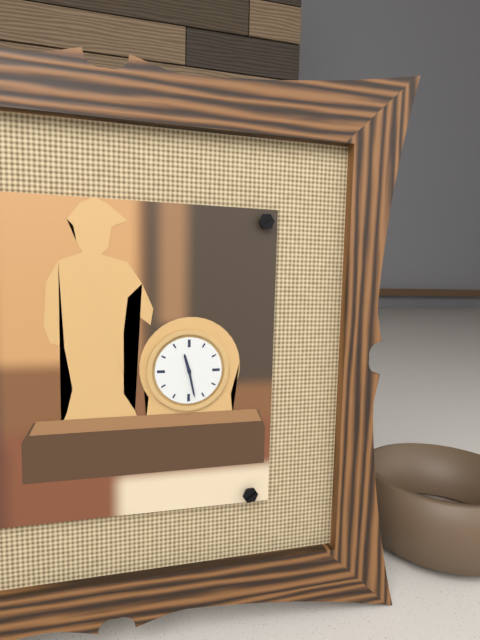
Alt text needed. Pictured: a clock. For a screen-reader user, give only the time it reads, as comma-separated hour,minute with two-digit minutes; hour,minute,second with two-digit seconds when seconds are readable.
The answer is 11,28
